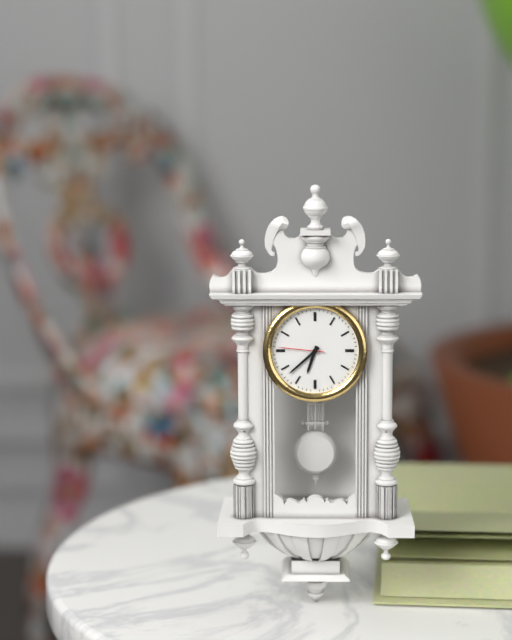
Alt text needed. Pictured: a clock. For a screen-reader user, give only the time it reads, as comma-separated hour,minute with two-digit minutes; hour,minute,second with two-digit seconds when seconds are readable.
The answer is 6,38
